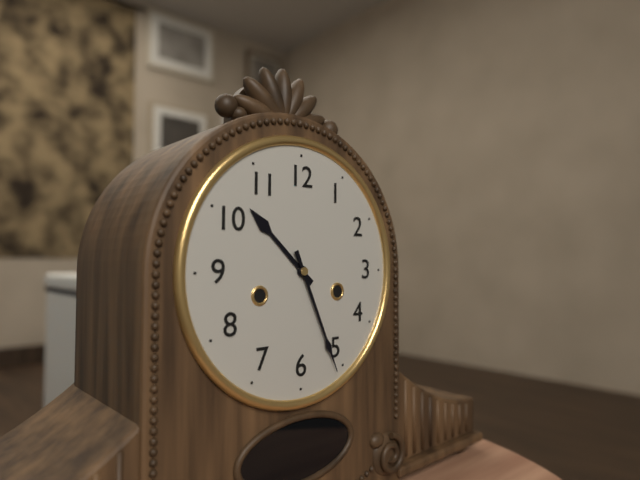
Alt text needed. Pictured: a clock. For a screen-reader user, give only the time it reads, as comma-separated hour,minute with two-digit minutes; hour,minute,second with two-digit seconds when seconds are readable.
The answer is 10,26
